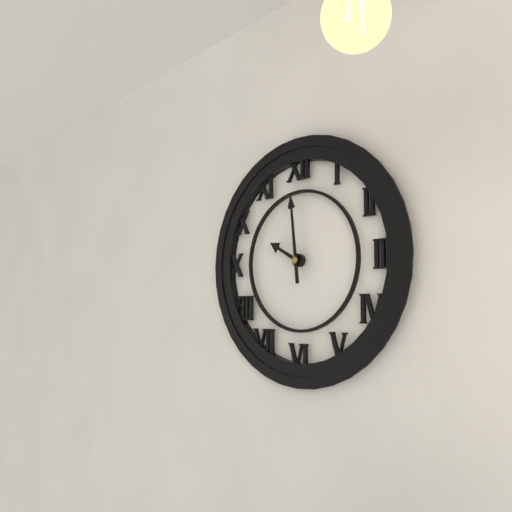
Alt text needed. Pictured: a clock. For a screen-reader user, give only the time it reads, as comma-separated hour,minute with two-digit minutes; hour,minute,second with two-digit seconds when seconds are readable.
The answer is 9,59
